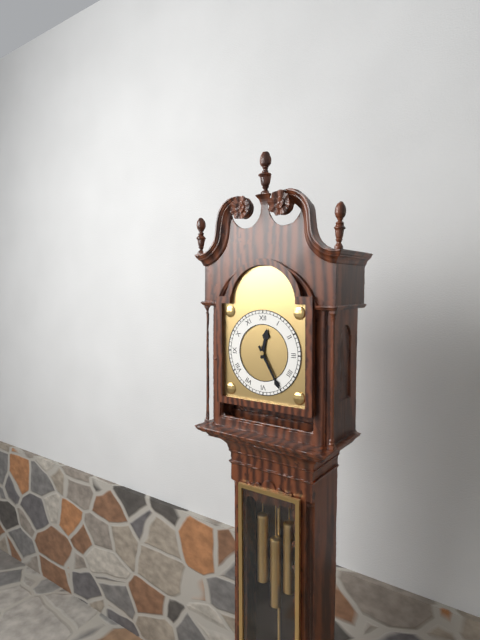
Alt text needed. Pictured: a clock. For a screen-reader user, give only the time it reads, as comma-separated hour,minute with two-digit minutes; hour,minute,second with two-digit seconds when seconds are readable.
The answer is 12,25
